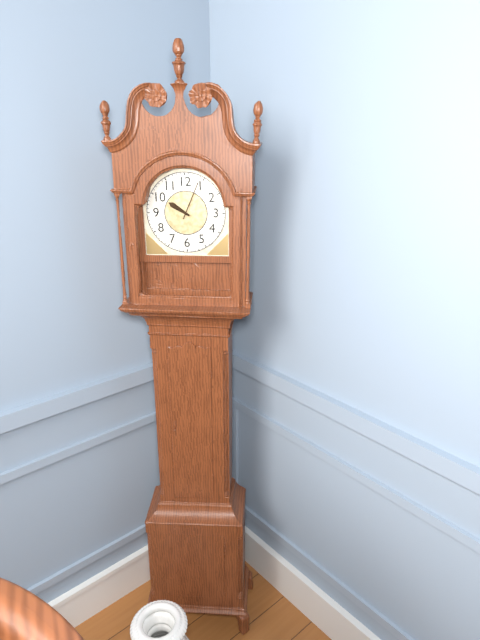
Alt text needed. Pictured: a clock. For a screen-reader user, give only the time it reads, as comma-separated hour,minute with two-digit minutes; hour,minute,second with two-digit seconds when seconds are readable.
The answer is 10,04
